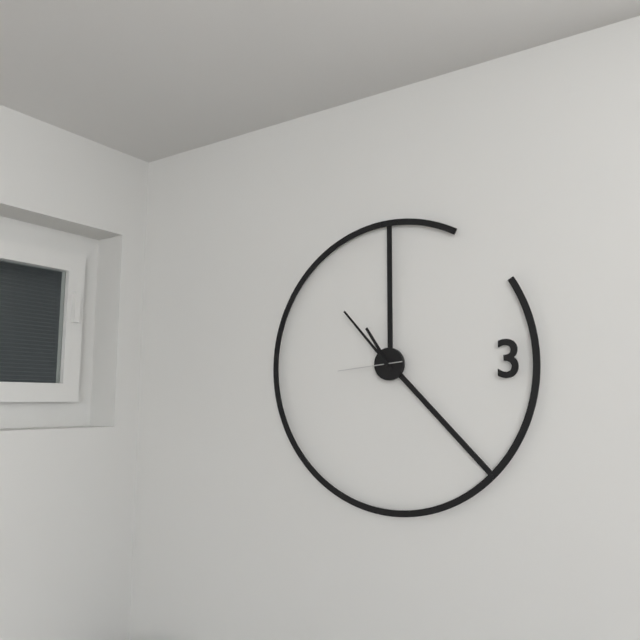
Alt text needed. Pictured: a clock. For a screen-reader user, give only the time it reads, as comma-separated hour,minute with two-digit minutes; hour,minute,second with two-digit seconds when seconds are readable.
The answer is 10,53,44
